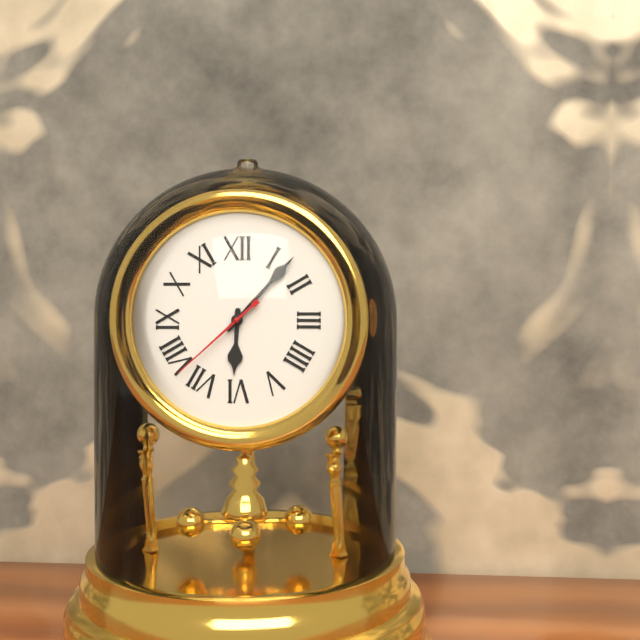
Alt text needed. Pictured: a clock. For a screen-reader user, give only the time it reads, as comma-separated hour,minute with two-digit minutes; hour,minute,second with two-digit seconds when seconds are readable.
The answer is 6,07,38
